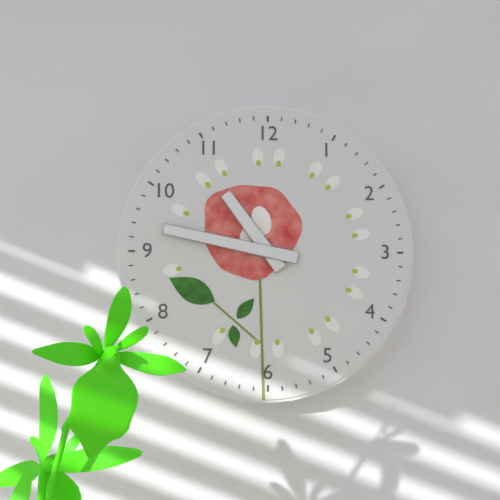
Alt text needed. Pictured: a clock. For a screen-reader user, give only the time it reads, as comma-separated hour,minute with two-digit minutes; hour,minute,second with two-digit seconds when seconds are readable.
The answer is 10,47
